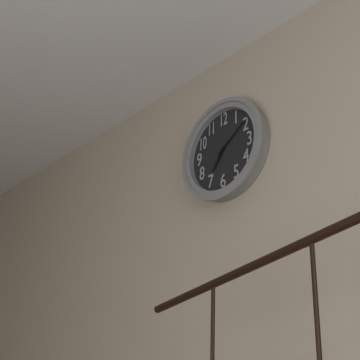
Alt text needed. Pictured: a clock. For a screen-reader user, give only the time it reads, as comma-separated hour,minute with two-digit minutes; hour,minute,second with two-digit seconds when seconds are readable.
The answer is 7,09
